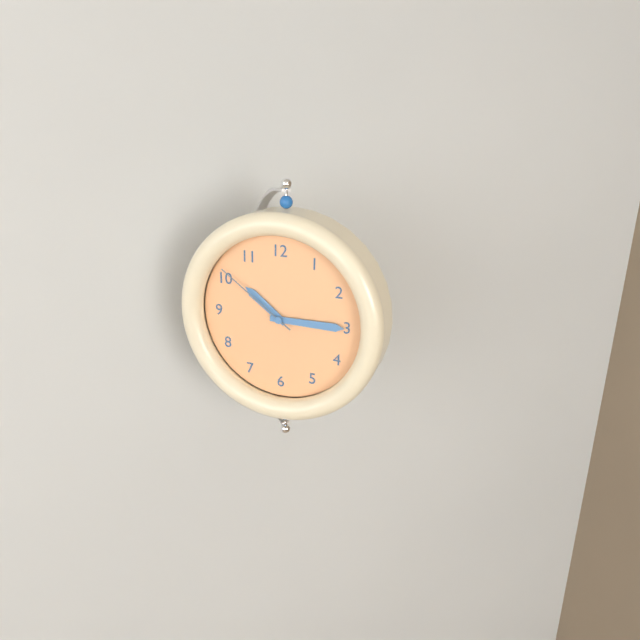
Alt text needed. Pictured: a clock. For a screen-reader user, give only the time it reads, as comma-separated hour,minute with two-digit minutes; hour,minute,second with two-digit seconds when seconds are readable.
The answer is 10,15,51
